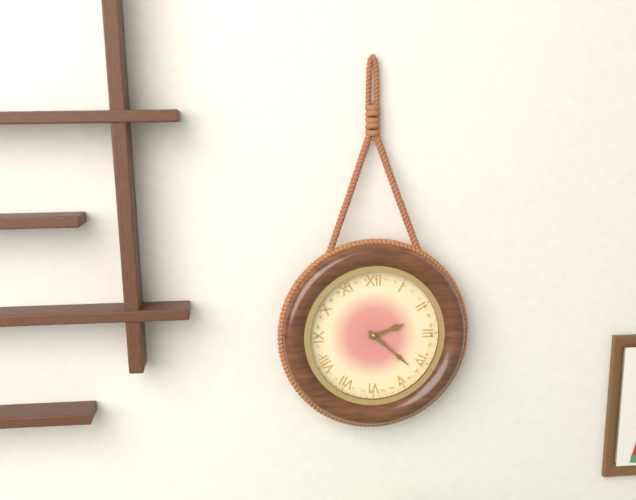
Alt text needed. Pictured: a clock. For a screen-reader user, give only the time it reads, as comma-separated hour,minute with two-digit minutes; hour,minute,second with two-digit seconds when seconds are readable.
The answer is 2,22
